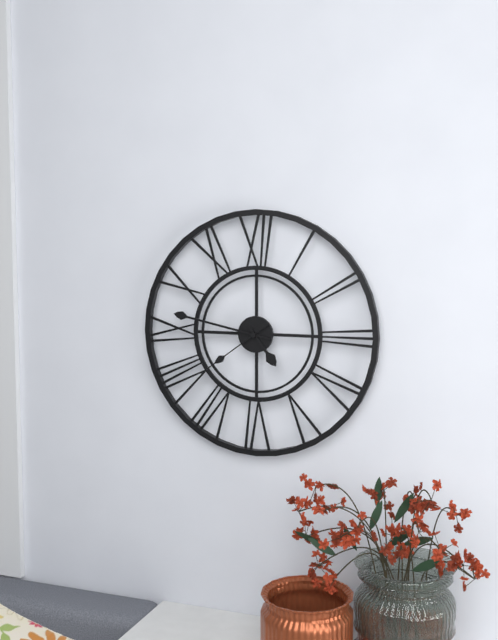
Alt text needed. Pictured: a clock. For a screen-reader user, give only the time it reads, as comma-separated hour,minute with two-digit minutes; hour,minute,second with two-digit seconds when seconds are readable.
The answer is 4,47,39
